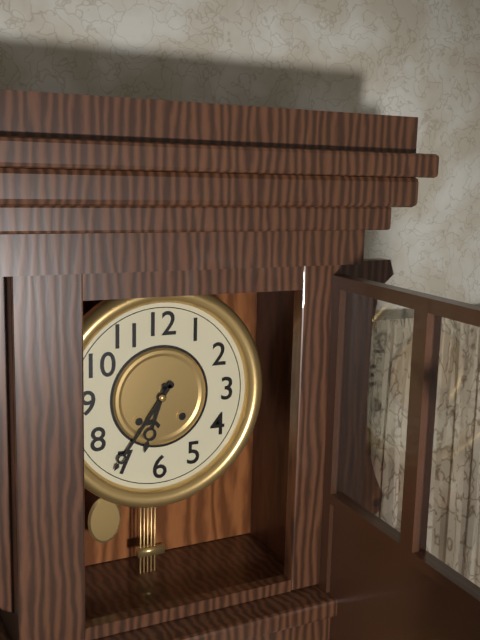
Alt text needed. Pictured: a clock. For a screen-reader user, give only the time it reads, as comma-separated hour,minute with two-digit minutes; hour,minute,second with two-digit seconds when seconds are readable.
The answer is 6,36
